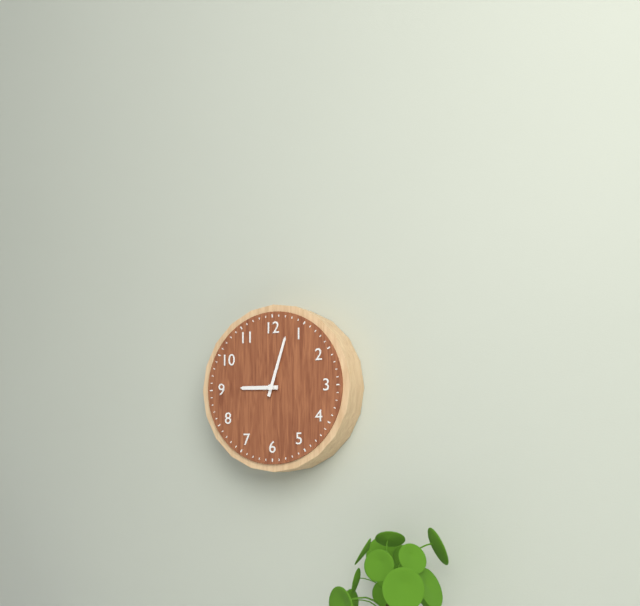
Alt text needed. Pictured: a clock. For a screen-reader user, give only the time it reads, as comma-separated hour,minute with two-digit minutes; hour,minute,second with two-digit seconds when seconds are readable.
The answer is 9,03
